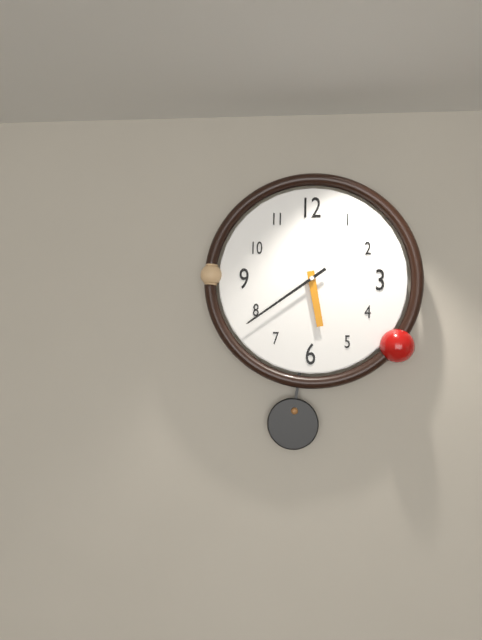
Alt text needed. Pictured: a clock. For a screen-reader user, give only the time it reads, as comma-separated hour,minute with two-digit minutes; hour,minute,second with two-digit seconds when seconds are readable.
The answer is 5,39
